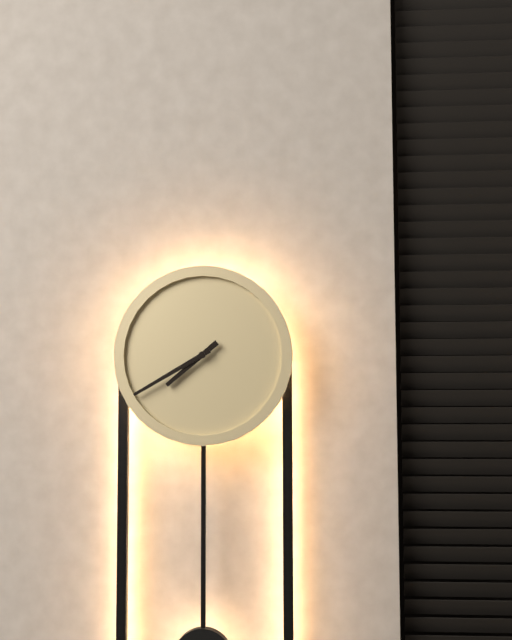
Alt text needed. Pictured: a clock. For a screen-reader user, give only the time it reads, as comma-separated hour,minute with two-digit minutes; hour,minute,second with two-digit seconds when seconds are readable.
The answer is 7,40
